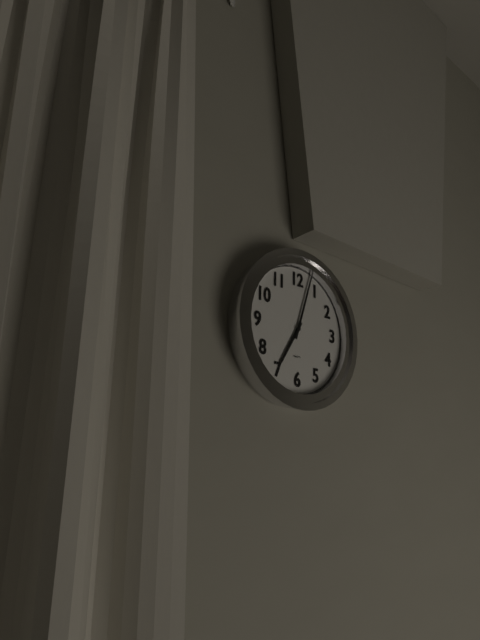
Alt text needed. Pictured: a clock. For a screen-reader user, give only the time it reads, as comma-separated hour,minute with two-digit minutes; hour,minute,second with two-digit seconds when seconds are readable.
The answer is 7,03
